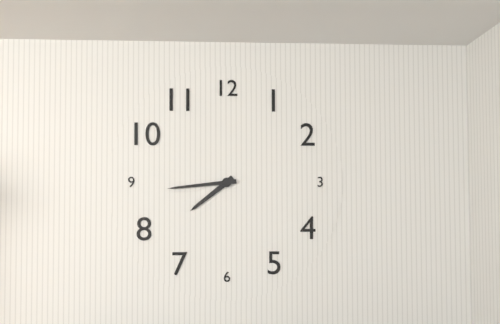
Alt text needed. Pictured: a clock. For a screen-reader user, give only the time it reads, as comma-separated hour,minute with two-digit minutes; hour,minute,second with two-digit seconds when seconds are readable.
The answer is 7,44
